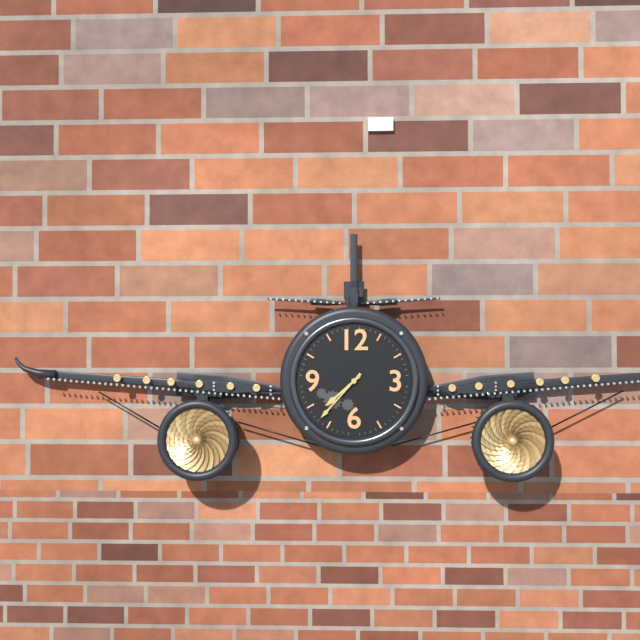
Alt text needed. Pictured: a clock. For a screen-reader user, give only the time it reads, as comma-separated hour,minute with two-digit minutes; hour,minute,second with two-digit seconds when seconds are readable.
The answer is 7,37
